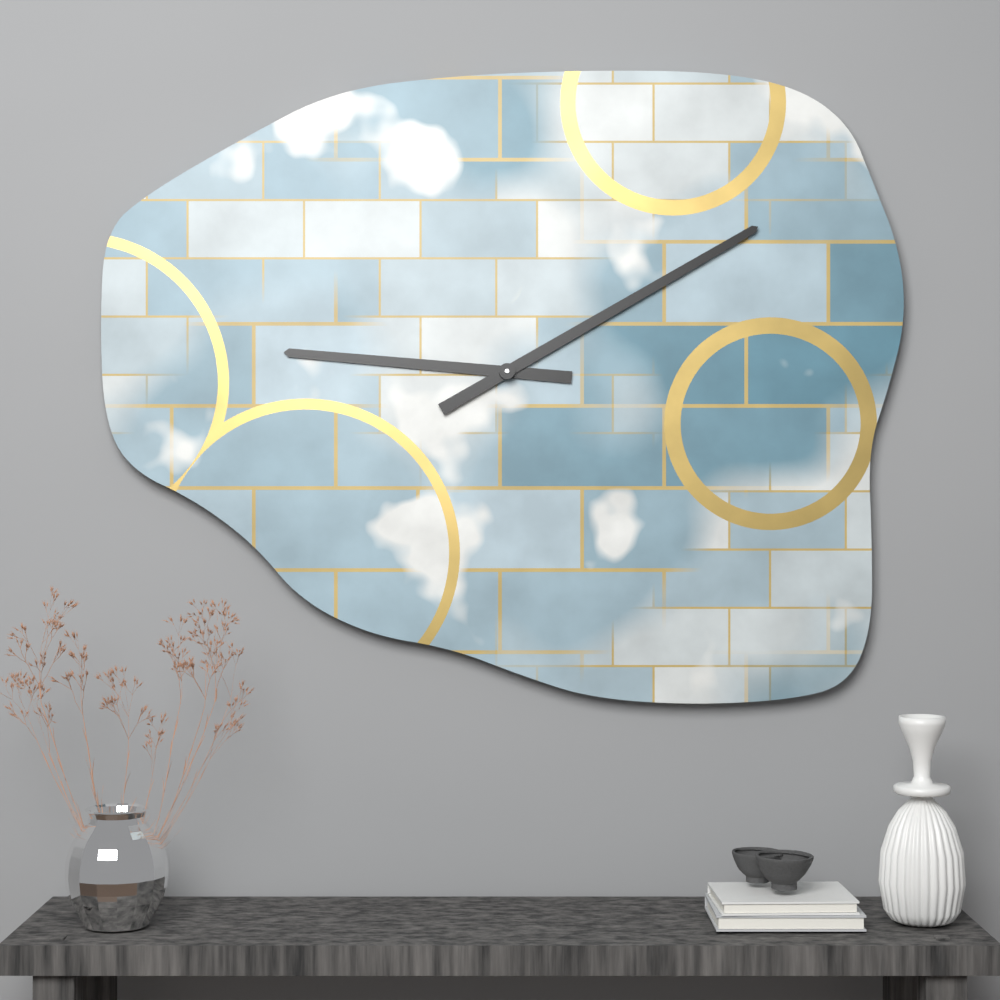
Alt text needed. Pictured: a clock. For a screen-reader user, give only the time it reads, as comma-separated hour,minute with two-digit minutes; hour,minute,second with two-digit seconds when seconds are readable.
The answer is 9,10
